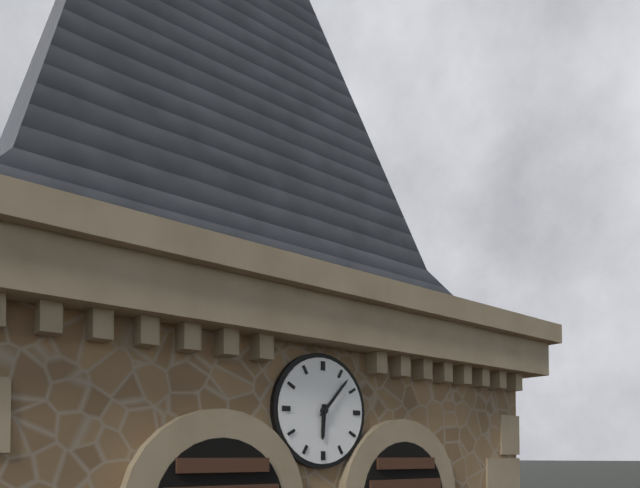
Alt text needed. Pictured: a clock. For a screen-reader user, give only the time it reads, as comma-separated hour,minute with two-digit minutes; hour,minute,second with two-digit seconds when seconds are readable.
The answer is 6,07
